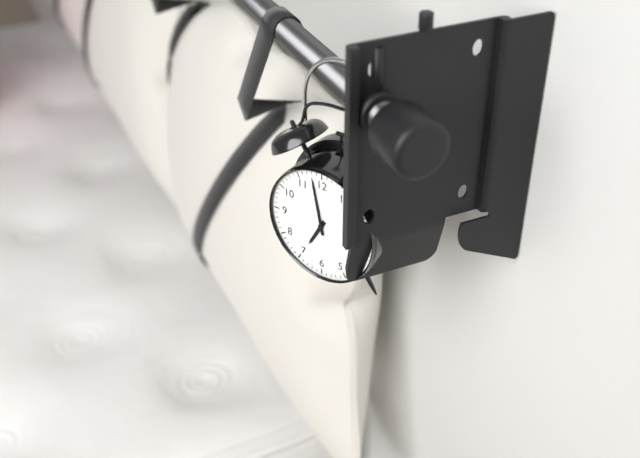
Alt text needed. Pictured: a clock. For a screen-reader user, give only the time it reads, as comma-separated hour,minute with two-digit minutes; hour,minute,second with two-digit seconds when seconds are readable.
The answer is 6,58
